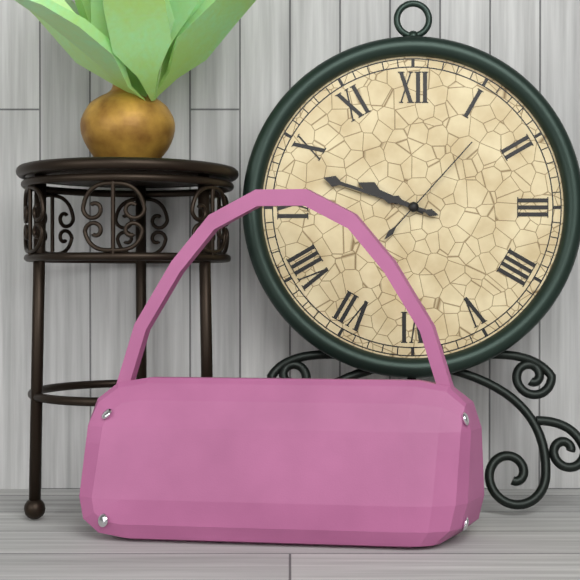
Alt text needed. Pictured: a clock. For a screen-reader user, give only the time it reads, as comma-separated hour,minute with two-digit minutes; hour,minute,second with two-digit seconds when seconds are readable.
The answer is 9,48,07
